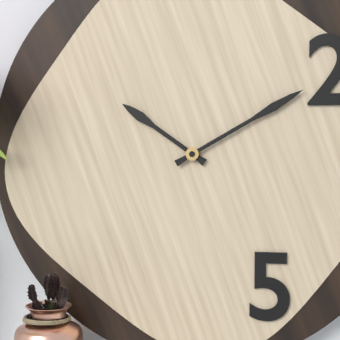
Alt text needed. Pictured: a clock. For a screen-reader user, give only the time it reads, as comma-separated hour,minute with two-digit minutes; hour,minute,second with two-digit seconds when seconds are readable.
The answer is 10,10
